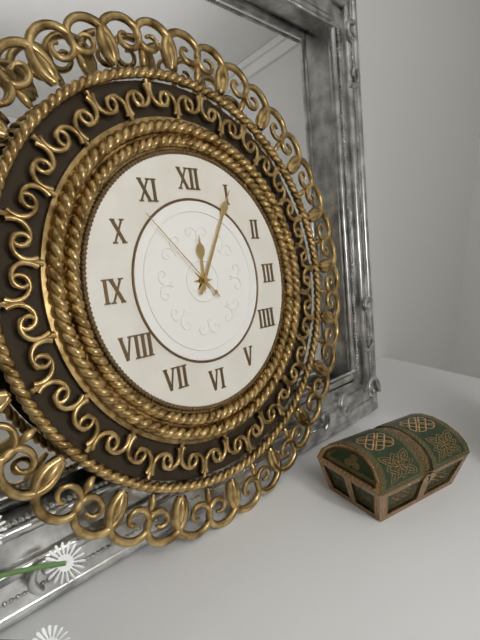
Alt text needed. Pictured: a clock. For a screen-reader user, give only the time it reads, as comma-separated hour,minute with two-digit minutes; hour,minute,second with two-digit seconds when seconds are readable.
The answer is 12,05,53
